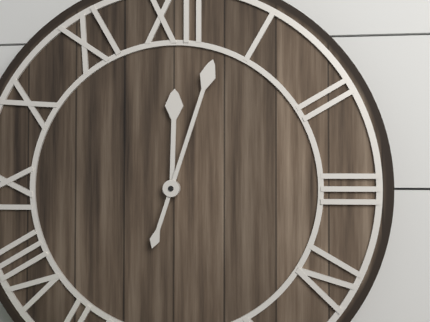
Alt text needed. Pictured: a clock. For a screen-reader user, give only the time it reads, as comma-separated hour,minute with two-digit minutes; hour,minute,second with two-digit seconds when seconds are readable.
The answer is 12,03
